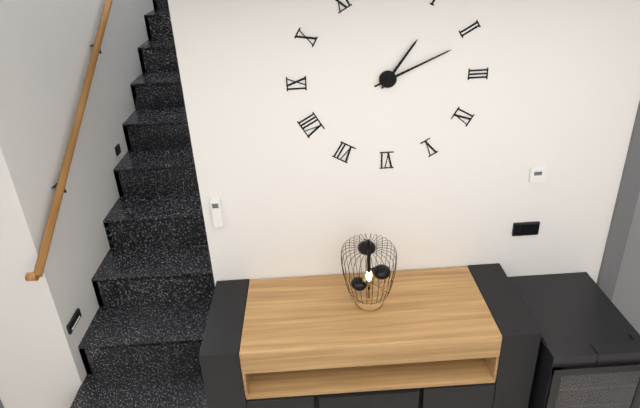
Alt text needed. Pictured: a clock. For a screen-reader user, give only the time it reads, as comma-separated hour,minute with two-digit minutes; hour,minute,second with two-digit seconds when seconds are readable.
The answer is 1,11
